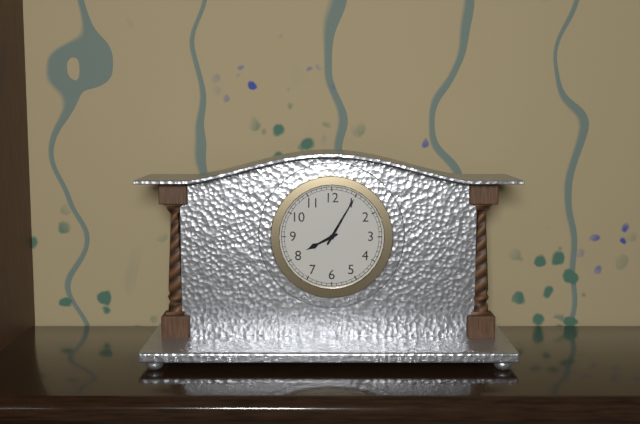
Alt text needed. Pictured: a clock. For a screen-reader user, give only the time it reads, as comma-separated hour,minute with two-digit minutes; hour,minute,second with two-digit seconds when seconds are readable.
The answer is 8,05
